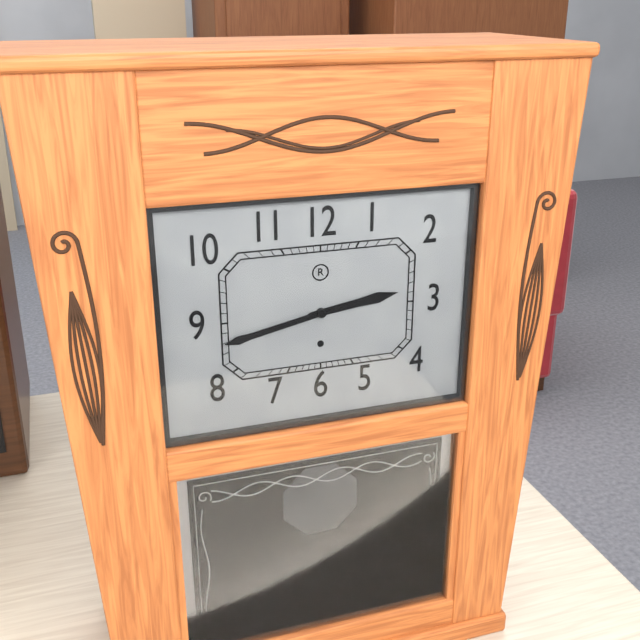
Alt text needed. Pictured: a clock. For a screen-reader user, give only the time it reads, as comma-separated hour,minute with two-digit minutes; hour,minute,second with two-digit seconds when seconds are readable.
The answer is 2,43
